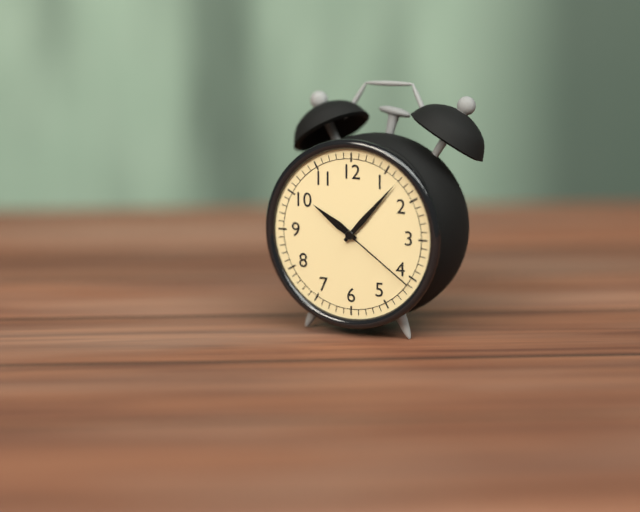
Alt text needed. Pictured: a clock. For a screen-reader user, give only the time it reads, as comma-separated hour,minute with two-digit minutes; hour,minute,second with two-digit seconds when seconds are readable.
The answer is 10,07,21
